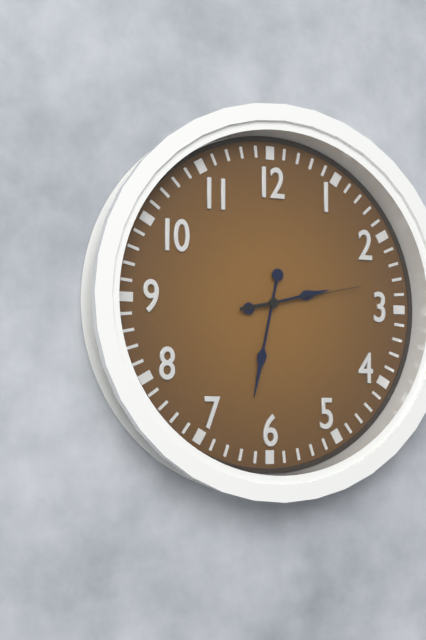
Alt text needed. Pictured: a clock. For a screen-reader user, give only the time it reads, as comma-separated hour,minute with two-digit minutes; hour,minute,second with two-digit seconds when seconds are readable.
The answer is 2,32,13
